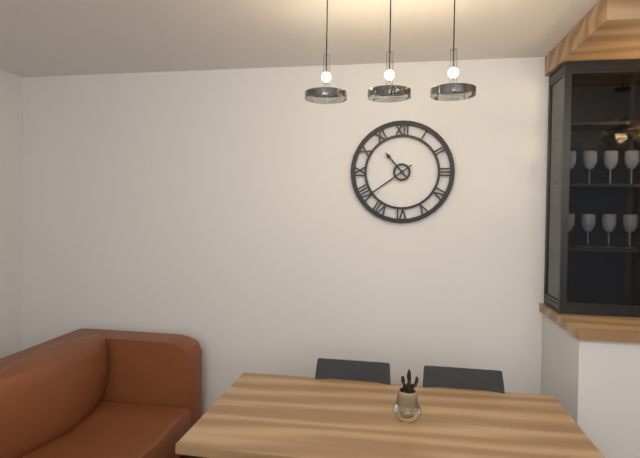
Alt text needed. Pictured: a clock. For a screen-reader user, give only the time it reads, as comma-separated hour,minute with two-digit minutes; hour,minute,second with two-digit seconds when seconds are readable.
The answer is 10,39
